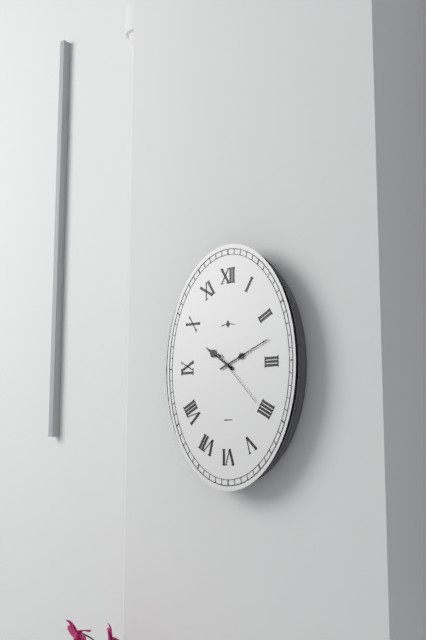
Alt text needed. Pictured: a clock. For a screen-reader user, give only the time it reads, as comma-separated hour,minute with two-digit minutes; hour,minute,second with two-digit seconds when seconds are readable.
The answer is 10,11,23
